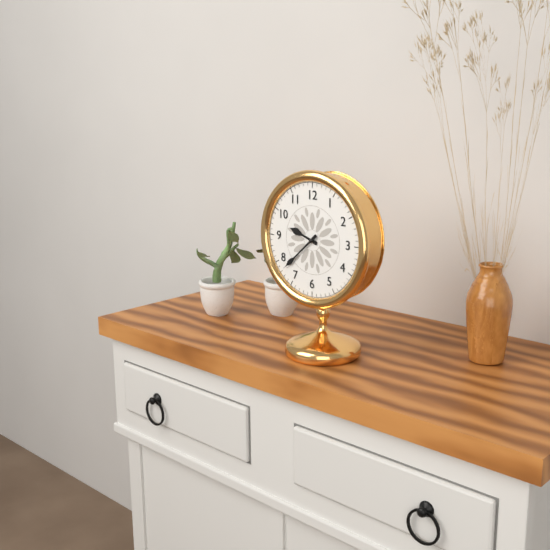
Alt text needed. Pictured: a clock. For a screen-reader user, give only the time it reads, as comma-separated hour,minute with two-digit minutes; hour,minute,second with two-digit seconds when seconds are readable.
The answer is 9,38
